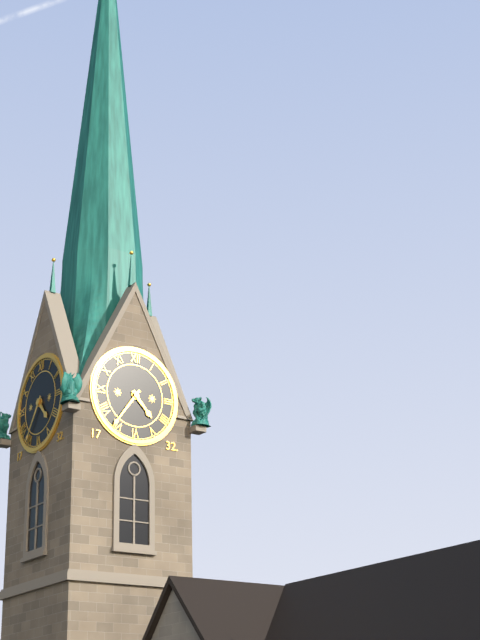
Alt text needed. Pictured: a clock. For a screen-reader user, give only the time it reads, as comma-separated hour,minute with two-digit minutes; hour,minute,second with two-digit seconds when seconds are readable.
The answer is 4,36
